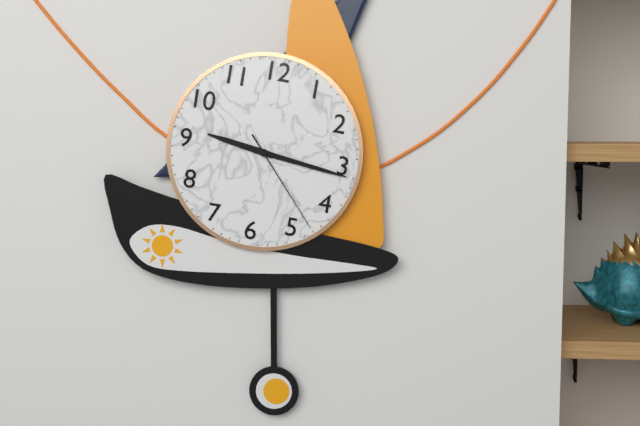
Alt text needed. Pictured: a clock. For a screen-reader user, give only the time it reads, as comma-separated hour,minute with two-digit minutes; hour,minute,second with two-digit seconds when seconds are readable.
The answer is 9,16,23
